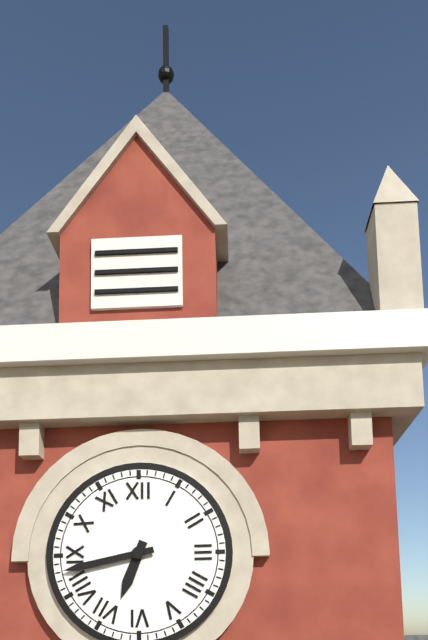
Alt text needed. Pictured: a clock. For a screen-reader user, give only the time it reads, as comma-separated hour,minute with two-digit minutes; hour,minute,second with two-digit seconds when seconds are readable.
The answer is 6,43
